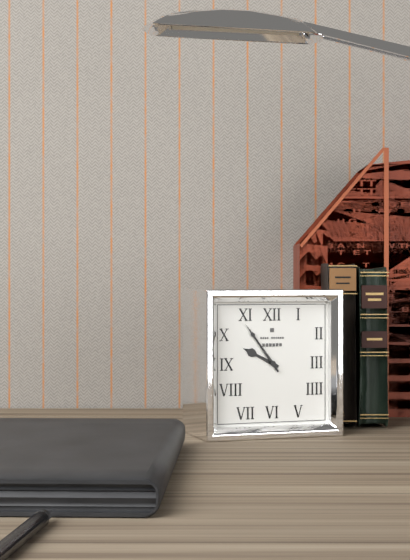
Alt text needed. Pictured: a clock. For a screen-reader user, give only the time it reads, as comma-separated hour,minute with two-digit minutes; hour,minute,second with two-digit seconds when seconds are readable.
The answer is 9,54
